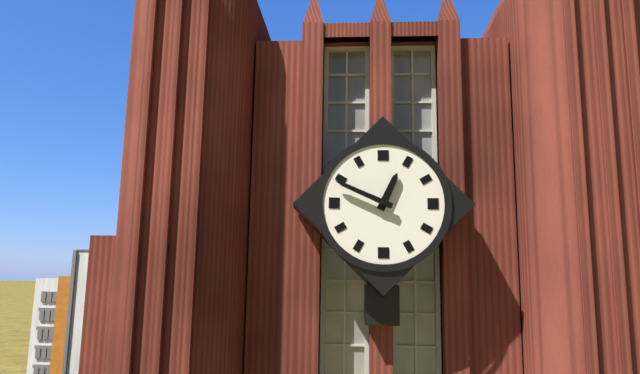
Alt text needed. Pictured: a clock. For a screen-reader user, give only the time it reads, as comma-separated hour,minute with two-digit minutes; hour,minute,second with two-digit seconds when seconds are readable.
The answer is 12,49
